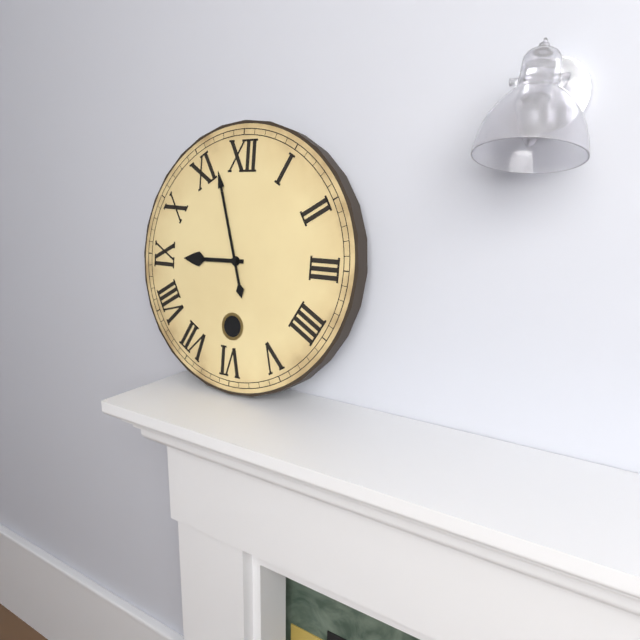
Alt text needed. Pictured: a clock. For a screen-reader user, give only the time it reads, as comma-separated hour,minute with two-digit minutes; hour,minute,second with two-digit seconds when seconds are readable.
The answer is 8,57
